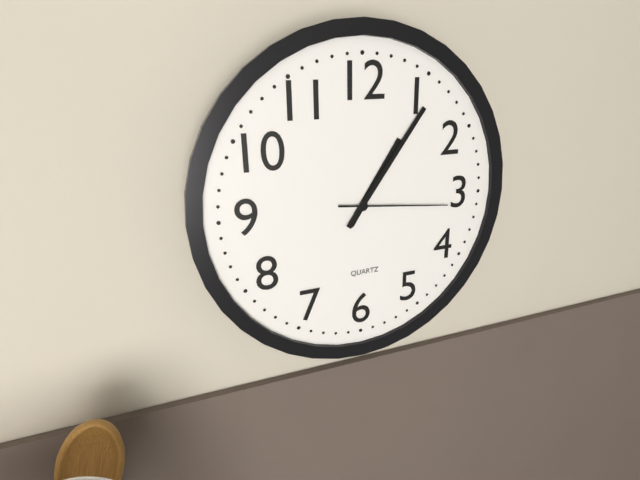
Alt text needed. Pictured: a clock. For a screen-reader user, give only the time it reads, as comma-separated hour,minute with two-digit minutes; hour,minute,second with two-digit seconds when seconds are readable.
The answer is 1,06,16
